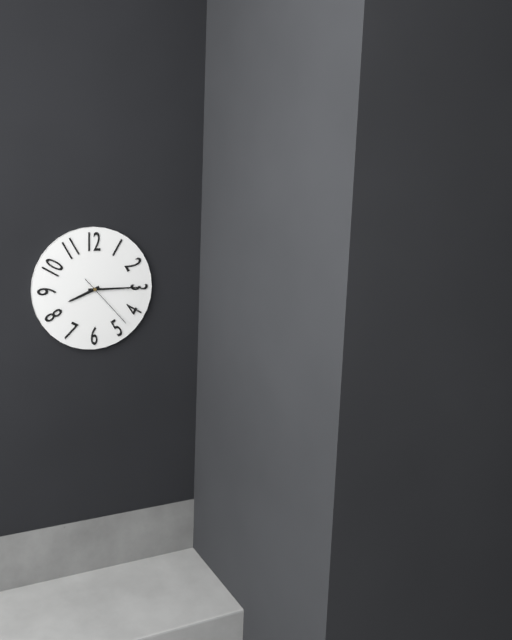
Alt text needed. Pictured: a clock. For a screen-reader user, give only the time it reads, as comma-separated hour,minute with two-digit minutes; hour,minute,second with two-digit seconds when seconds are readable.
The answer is 8,15,23
